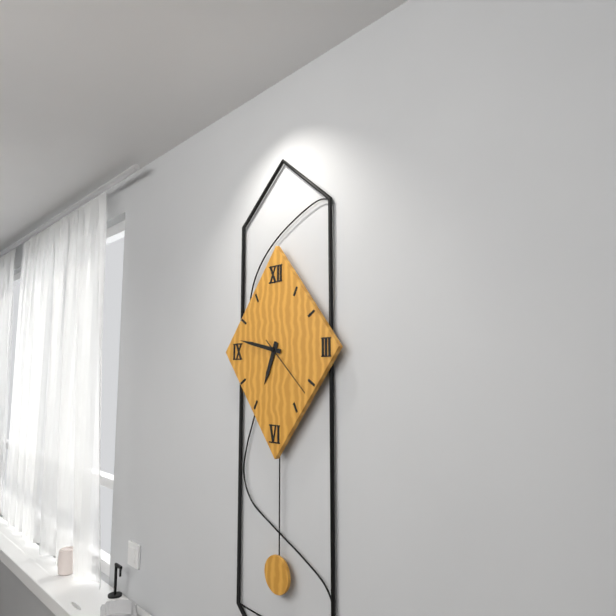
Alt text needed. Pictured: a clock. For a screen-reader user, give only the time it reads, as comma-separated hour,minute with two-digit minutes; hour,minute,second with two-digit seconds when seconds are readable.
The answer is 6,47,22
